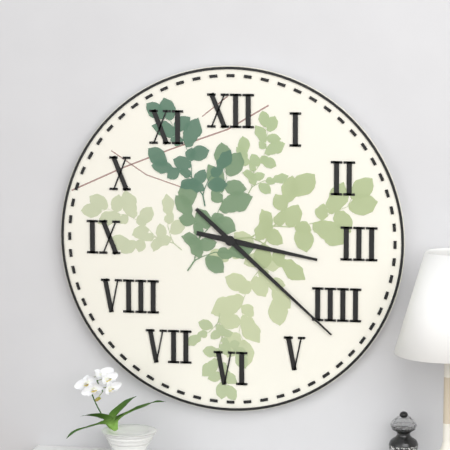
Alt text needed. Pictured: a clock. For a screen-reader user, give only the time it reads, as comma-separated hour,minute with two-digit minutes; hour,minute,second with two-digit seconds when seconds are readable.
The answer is 3,22
